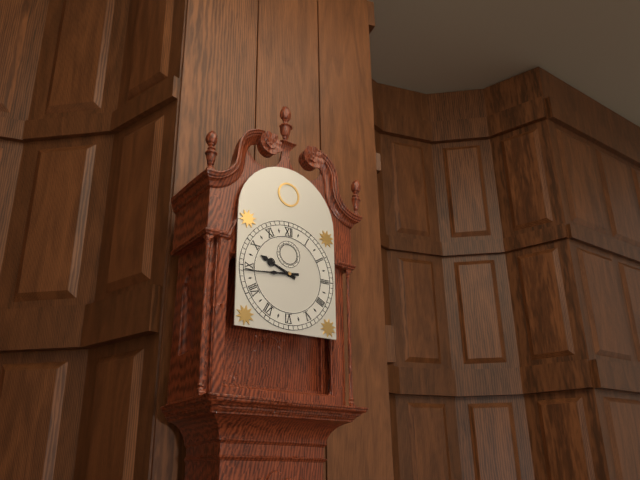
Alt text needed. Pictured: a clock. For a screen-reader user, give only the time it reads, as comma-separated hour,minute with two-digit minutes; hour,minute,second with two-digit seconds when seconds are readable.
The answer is 9,44
